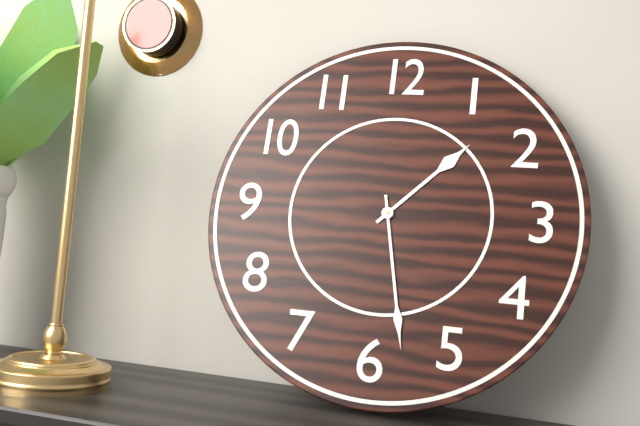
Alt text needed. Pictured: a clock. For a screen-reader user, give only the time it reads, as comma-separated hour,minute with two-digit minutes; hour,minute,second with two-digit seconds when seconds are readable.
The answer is 1,28
